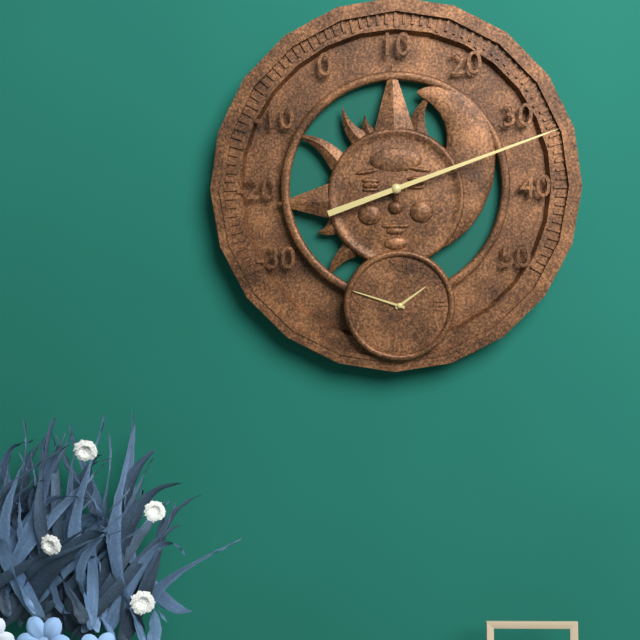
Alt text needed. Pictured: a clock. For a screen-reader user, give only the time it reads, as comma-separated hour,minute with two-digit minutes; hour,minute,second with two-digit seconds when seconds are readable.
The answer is 1,48
